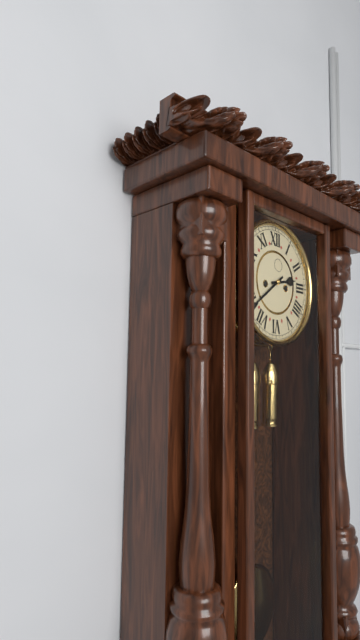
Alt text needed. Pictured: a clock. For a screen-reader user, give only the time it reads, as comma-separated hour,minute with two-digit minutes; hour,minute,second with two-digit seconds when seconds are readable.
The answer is 2,39
